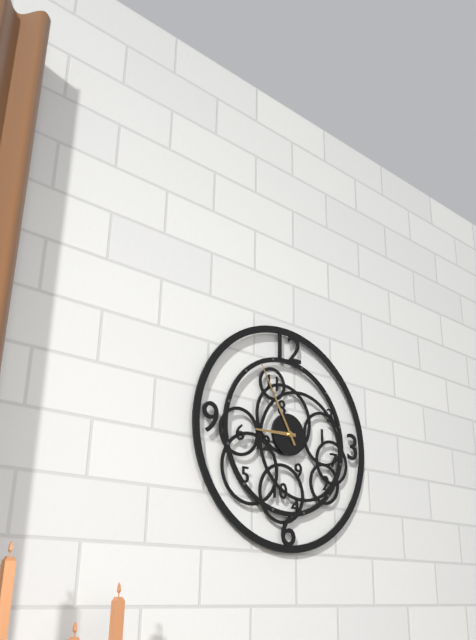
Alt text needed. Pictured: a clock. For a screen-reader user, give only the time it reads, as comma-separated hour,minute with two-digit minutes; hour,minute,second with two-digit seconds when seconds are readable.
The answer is 8,55
